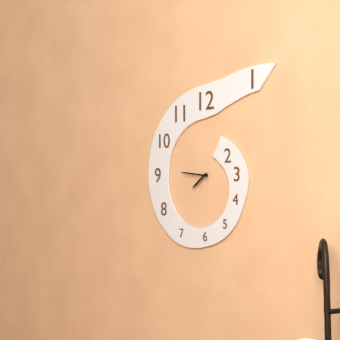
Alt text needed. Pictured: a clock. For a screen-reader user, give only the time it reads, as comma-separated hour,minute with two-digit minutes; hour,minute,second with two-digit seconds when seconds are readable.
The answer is 7,46
